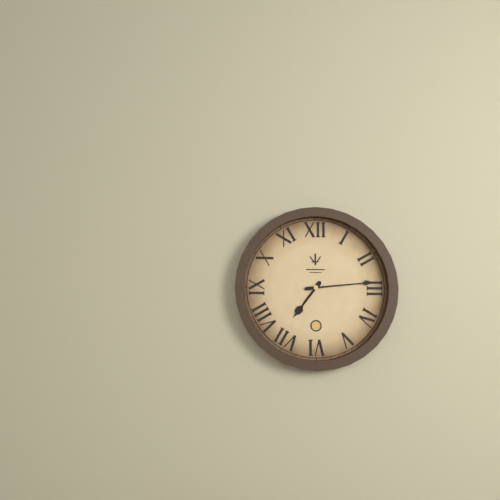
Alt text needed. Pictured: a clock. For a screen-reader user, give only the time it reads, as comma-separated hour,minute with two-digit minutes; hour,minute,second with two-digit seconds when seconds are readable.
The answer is 7,14
